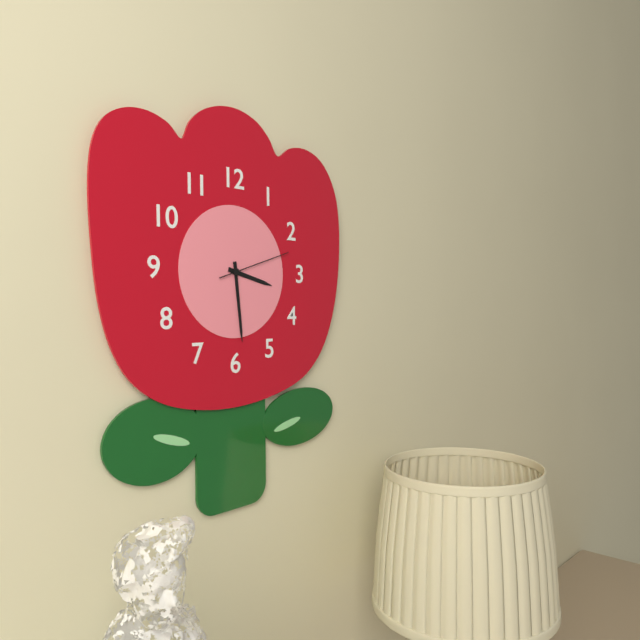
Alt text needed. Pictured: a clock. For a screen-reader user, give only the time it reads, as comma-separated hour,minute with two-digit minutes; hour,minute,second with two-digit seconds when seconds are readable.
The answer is 3,29,12
